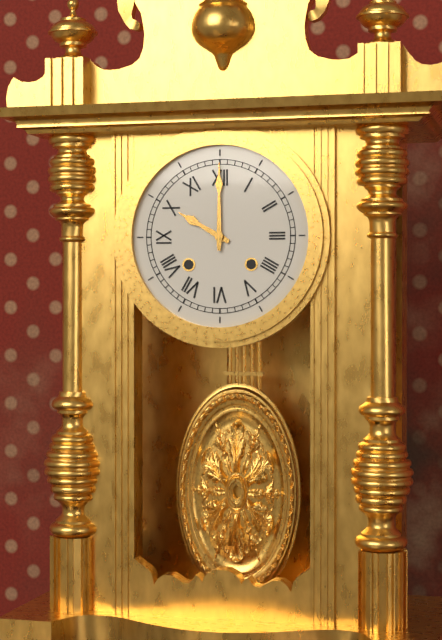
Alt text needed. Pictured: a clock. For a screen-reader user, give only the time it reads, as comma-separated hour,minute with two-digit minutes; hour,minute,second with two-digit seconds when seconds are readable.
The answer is 10,00
